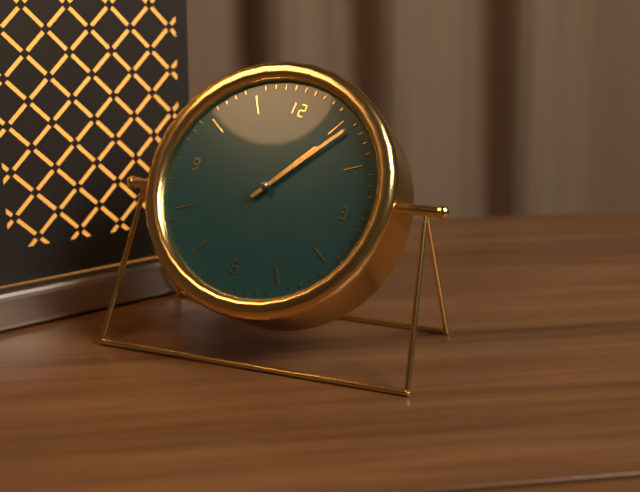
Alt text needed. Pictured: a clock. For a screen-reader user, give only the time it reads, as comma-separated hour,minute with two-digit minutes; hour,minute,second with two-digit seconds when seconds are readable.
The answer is 1,06
